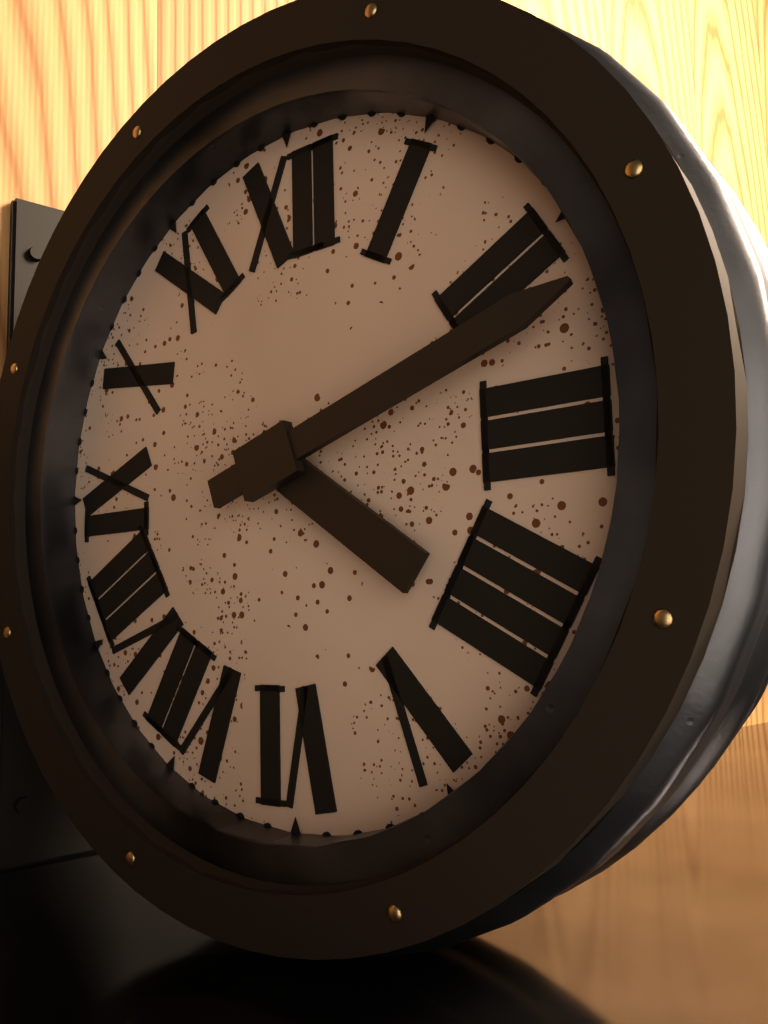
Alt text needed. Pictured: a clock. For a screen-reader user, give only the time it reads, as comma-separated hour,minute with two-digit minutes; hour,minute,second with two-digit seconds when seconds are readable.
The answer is 4,12
